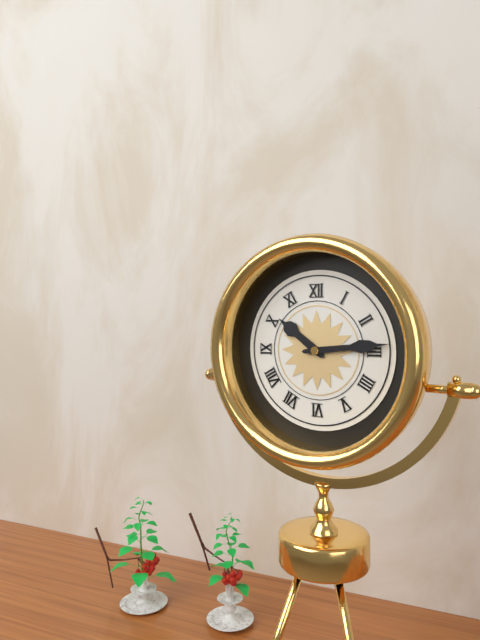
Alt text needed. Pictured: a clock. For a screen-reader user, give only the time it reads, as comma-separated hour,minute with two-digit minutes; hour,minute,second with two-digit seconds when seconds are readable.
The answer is 10,14
